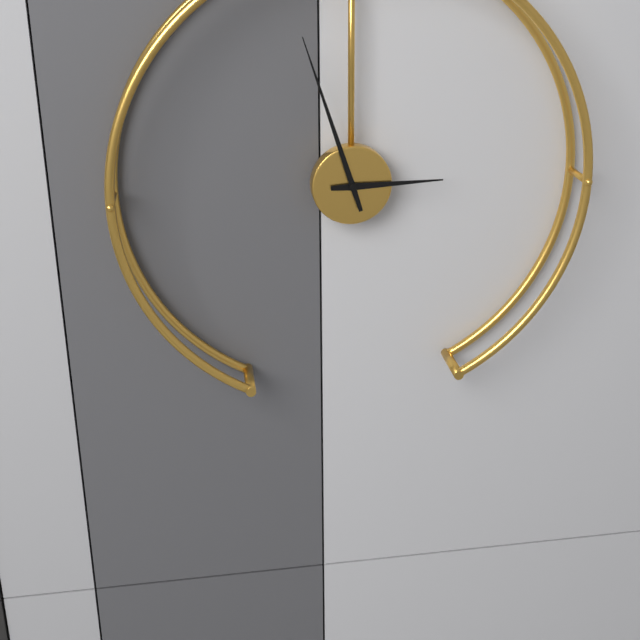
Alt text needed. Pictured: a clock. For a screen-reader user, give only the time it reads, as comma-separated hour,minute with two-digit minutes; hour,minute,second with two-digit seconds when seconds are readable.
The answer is 2,57
